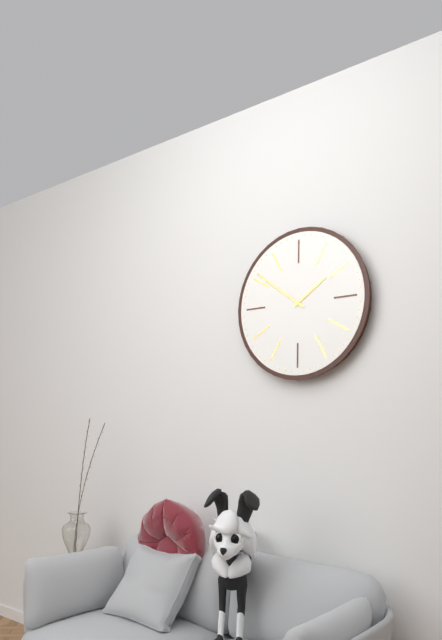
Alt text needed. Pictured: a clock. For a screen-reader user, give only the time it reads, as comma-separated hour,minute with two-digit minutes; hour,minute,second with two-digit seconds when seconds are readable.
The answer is 1,51
